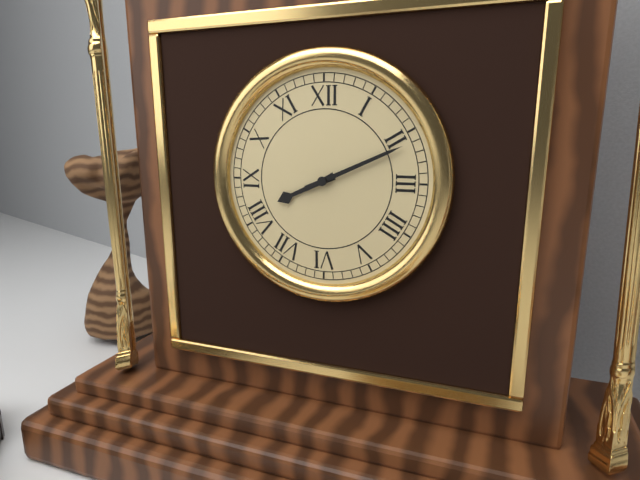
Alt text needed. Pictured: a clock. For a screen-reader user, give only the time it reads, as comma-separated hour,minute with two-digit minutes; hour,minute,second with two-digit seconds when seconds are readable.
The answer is 8,11
